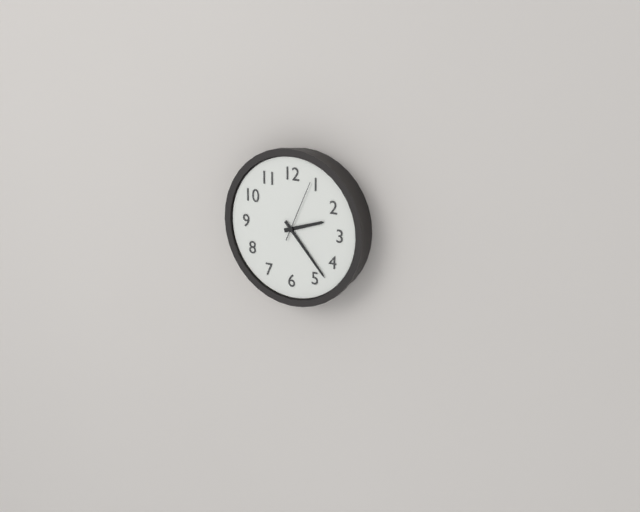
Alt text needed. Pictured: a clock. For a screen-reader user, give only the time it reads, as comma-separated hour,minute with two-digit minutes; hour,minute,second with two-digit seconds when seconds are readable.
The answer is 2,23,04
